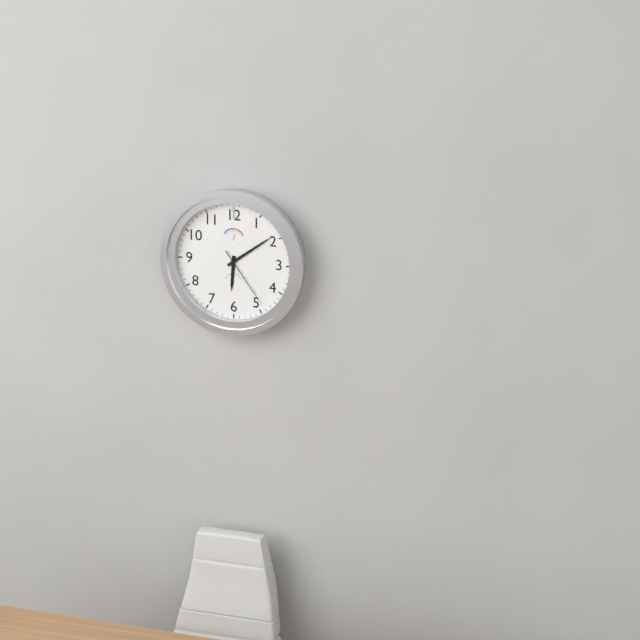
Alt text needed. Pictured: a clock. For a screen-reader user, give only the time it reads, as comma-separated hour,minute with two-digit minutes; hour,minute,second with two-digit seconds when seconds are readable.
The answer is 6,09,24
